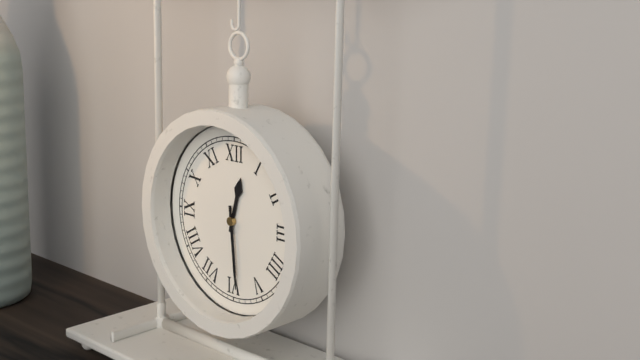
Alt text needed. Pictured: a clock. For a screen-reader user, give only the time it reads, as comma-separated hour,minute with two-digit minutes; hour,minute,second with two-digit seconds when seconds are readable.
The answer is 12,29
